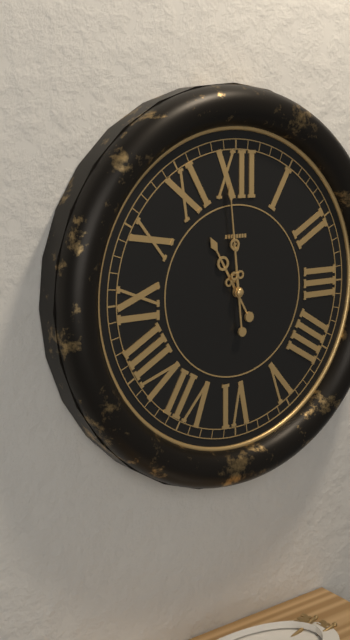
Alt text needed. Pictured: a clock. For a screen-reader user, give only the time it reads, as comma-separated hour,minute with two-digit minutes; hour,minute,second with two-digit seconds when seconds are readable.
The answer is 10,59
